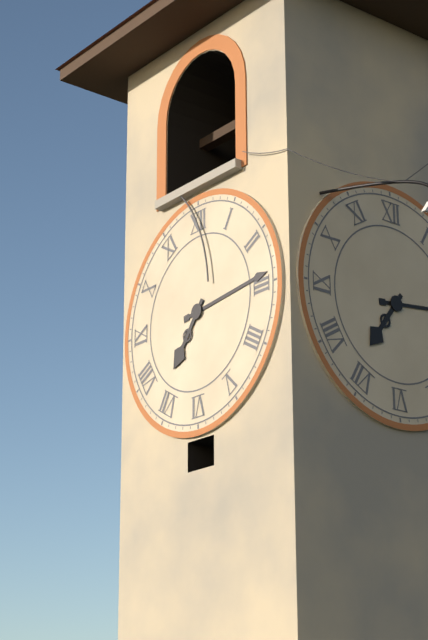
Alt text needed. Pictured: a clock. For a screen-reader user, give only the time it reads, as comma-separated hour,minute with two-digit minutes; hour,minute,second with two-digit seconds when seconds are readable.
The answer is 7,14
